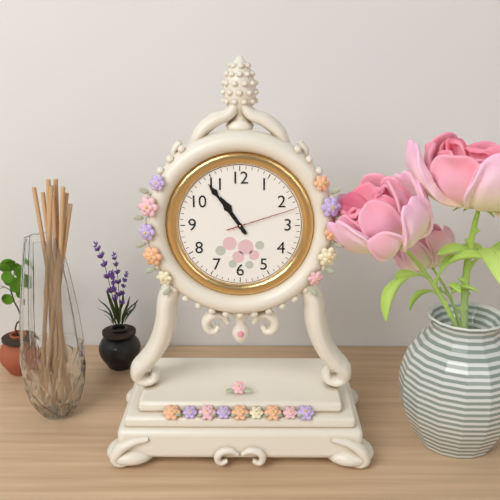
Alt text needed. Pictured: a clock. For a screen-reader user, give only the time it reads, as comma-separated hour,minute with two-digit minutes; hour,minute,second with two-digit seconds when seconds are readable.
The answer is 10,54,12
